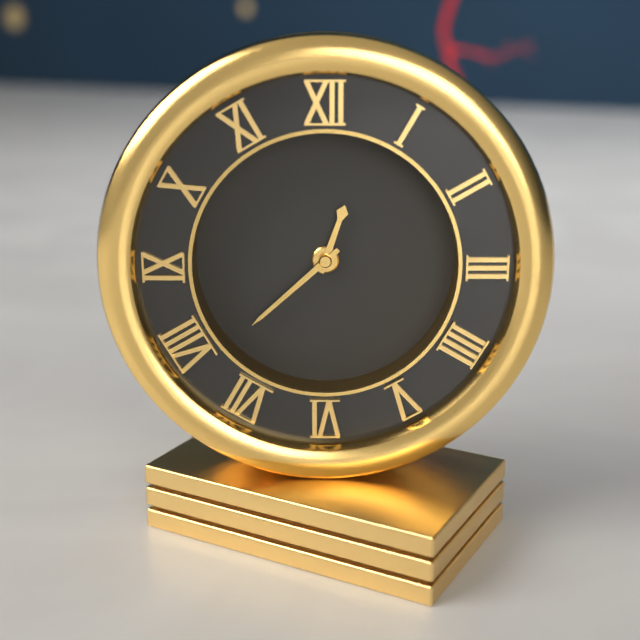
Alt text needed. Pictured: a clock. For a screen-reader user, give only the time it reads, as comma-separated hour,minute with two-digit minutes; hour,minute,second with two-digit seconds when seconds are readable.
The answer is 12,38
